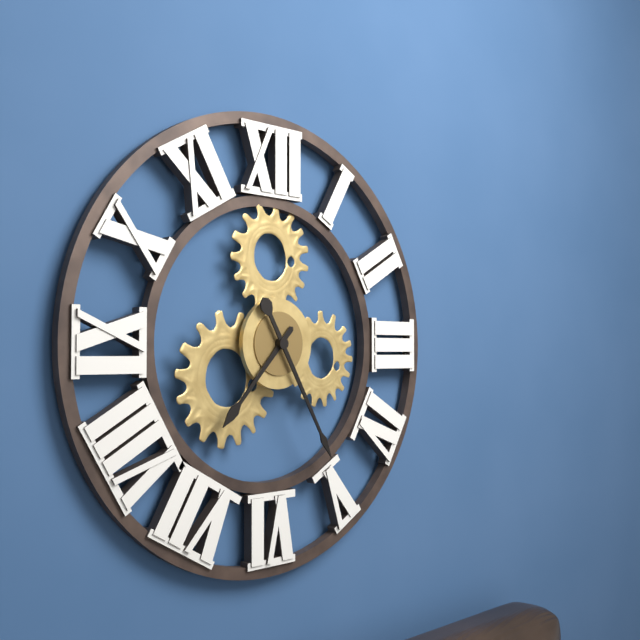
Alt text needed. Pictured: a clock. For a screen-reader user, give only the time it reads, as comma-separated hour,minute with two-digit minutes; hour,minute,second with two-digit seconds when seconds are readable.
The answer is 7,25
